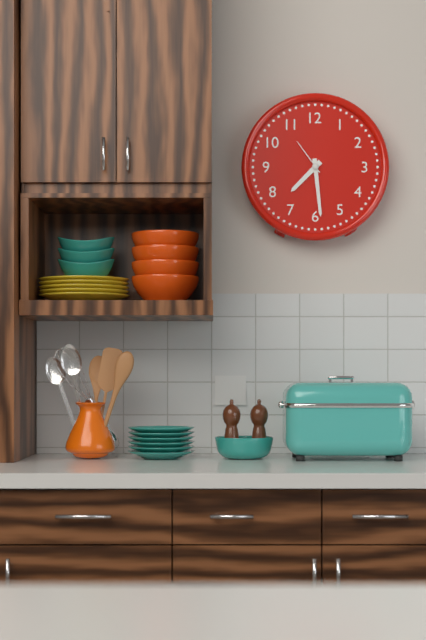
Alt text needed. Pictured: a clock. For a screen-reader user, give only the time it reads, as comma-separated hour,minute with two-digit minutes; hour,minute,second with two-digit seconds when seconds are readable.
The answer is 7,29
